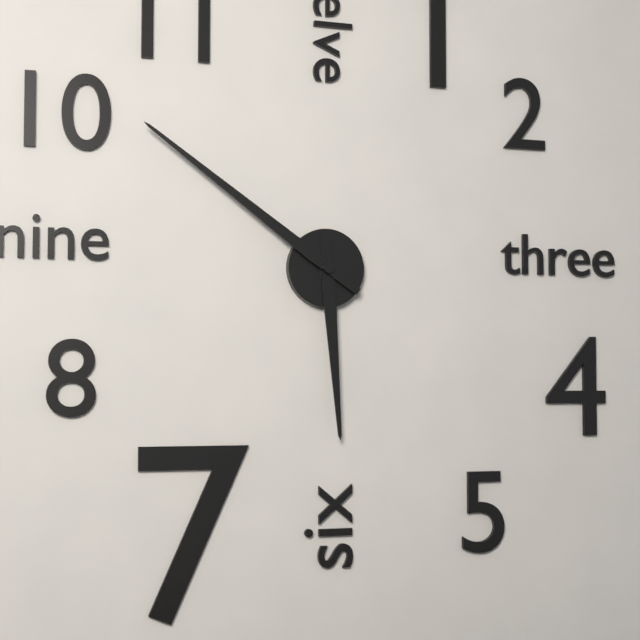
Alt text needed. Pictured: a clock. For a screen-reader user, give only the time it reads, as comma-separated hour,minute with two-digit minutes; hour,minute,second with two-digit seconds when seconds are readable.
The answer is 5,51
